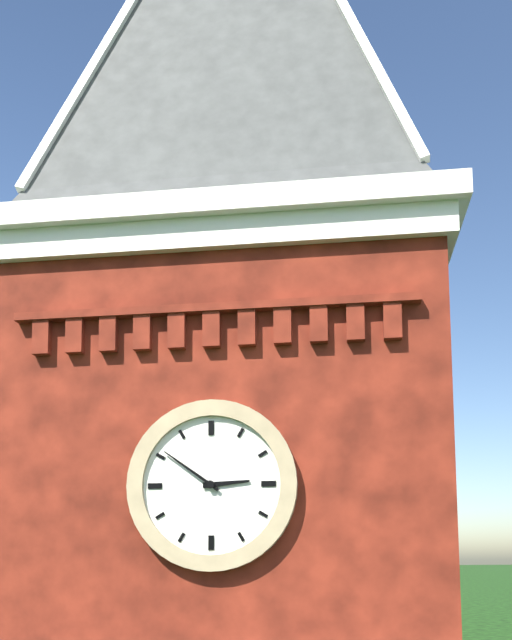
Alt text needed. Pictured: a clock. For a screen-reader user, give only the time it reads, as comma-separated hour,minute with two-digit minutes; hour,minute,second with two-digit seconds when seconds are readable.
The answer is 2,51
